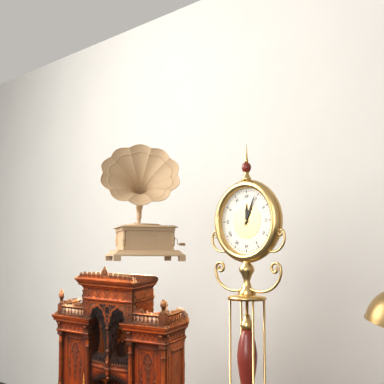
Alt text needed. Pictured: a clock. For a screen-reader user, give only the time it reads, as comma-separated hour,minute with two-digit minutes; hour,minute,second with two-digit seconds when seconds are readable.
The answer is 12,04
